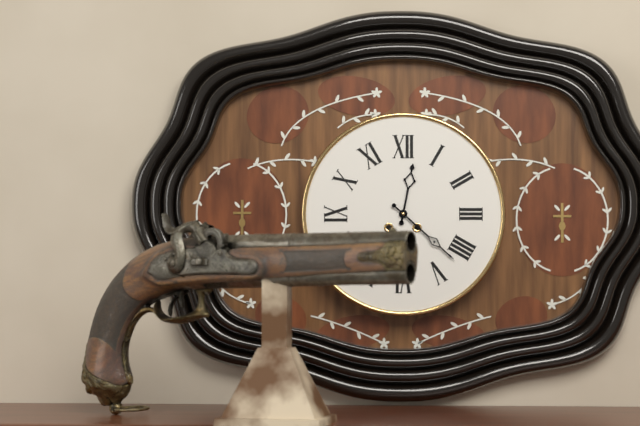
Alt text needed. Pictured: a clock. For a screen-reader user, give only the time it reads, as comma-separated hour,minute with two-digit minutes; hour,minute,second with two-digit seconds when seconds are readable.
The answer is 12,22
